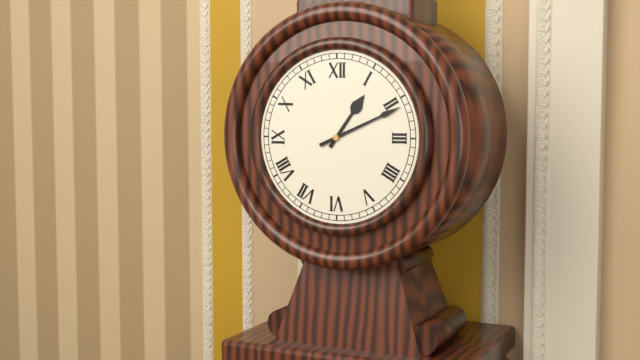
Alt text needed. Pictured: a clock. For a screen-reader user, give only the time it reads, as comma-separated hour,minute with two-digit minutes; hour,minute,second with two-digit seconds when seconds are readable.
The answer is 1,11
